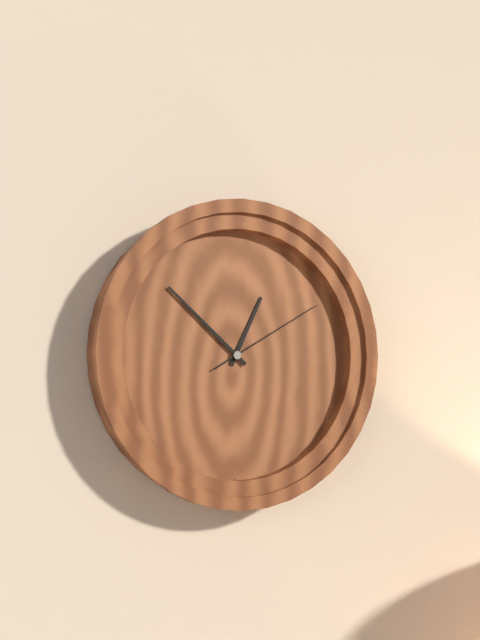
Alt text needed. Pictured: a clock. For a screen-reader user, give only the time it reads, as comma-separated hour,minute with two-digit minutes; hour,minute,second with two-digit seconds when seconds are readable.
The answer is 12,52,10
